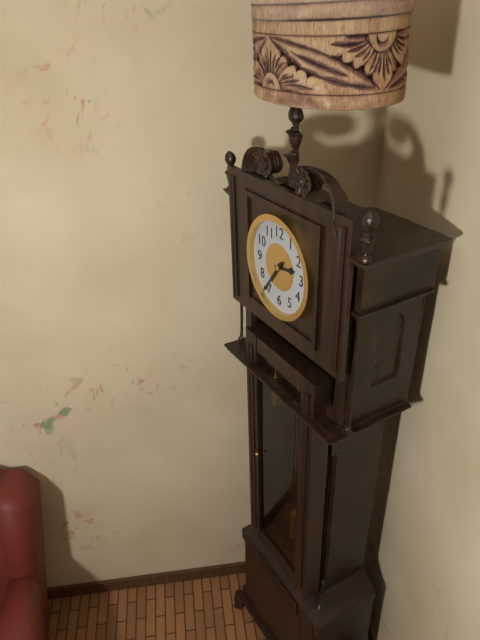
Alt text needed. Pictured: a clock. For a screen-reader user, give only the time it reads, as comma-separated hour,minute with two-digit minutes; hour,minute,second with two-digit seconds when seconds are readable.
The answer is 2,36
